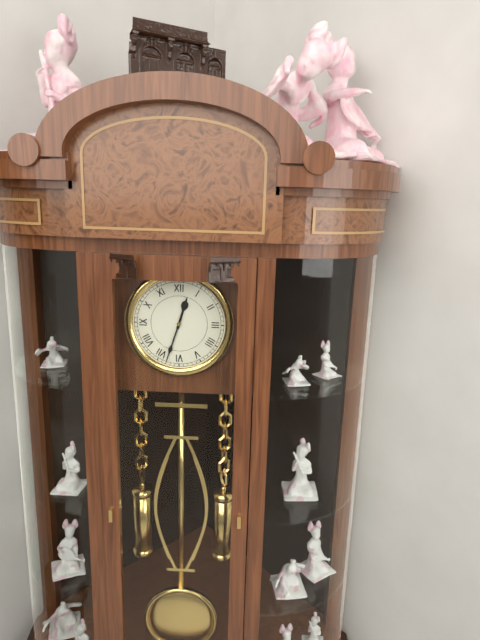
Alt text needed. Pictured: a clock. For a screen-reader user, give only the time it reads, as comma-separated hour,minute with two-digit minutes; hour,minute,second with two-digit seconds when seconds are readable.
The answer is 12,33
